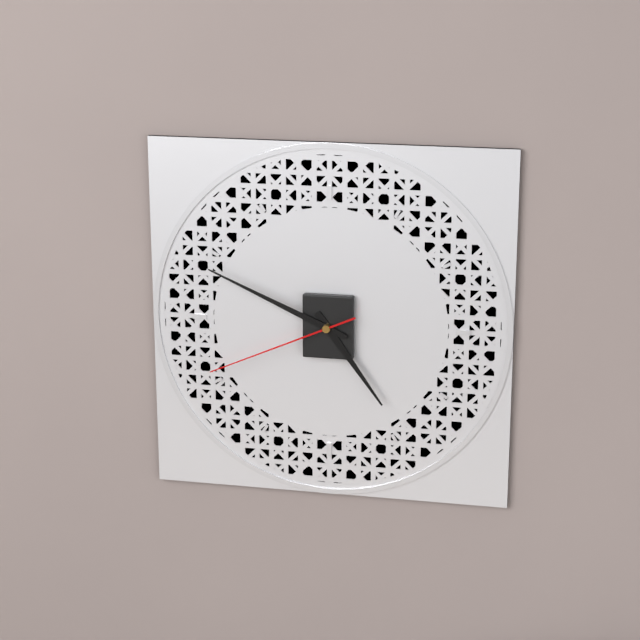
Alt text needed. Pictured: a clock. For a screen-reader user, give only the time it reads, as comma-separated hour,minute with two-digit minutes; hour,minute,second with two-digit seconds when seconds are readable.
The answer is 4,49,41
